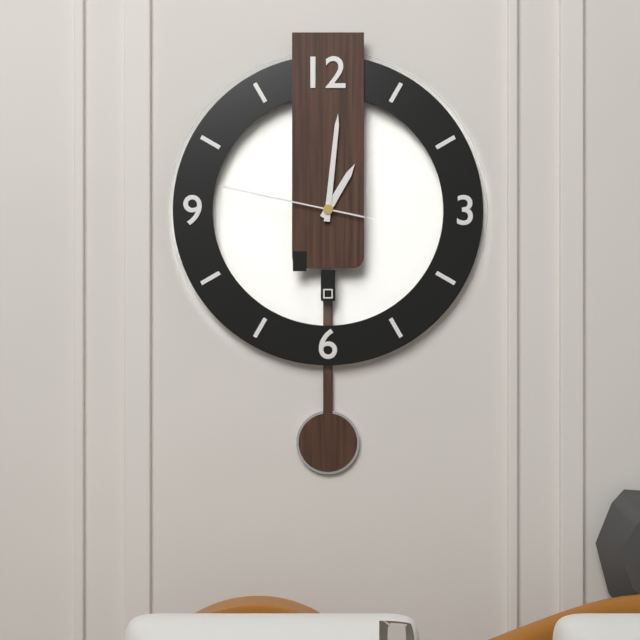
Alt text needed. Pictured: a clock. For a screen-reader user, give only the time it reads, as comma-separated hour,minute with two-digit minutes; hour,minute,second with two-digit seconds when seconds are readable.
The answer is 1,01,47
